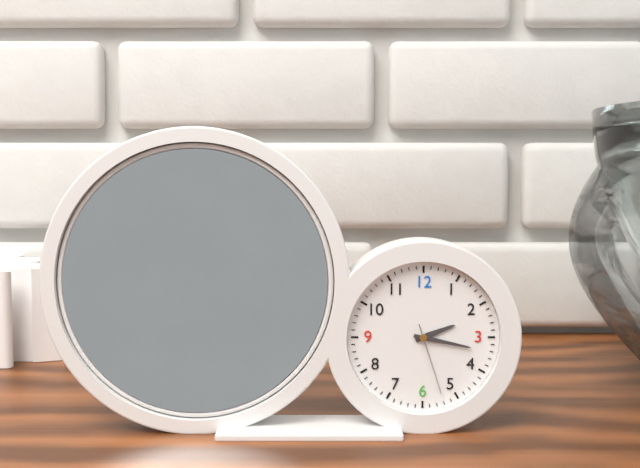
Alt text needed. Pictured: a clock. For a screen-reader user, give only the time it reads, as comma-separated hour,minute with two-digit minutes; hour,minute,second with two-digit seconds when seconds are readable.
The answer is 2,17,27
